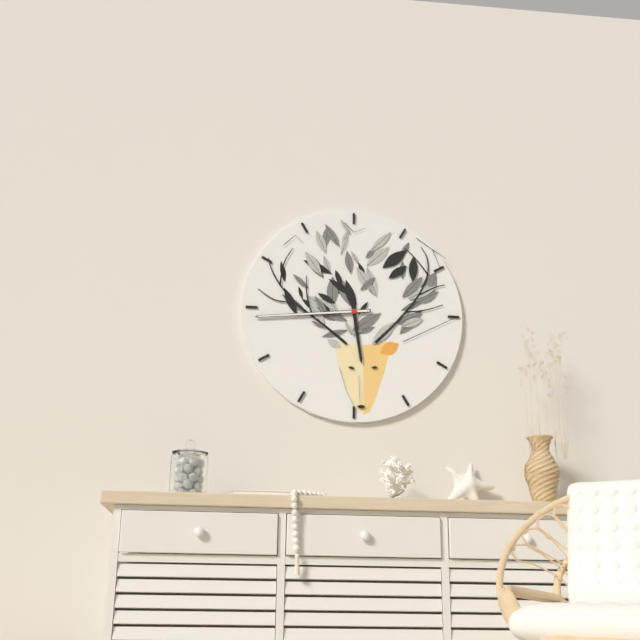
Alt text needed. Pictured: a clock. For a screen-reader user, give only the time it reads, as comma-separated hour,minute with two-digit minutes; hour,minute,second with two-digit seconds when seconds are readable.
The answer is 5,44
